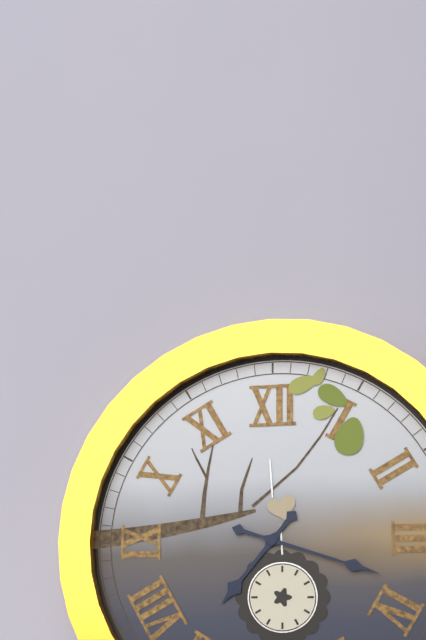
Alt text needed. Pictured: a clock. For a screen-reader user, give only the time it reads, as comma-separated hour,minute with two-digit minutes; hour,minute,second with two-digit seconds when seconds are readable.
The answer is 7,18
